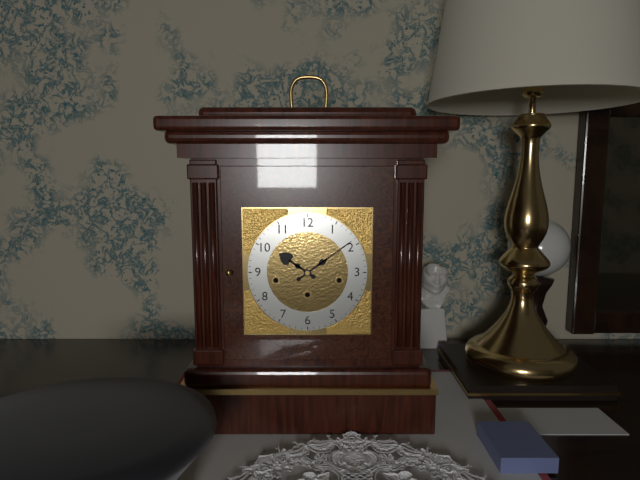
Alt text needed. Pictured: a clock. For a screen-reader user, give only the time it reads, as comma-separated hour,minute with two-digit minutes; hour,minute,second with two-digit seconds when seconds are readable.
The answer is 10,09
